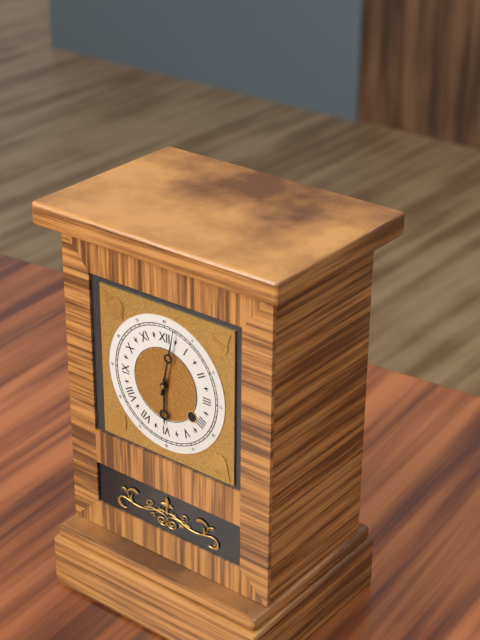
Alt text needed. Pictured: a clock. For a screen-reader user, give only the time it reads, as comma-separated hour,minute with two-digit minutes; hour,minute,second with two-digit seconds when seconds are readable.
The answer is 6,02
